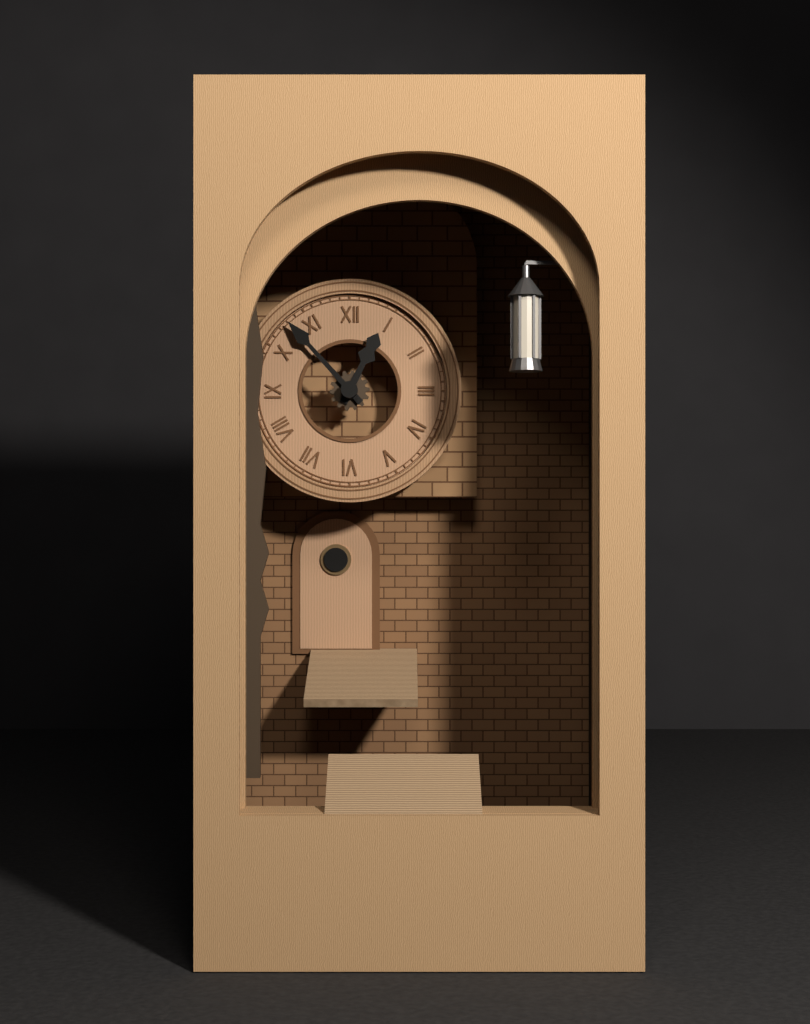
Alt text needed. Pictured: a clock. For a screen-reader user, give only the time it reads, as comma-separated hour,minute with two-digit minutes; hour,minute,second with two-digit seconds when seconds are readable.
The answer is 12,53
